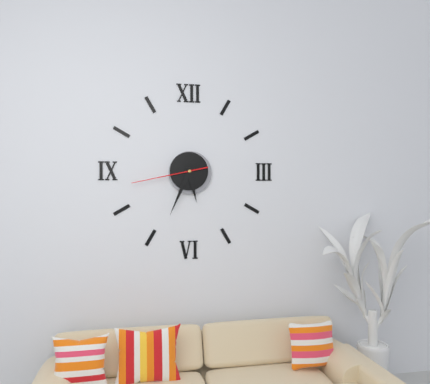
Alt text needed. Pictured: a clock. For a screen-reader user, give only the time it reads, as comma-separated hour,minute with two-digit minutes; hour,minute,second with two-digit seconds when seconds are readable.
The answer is 5,34,43
